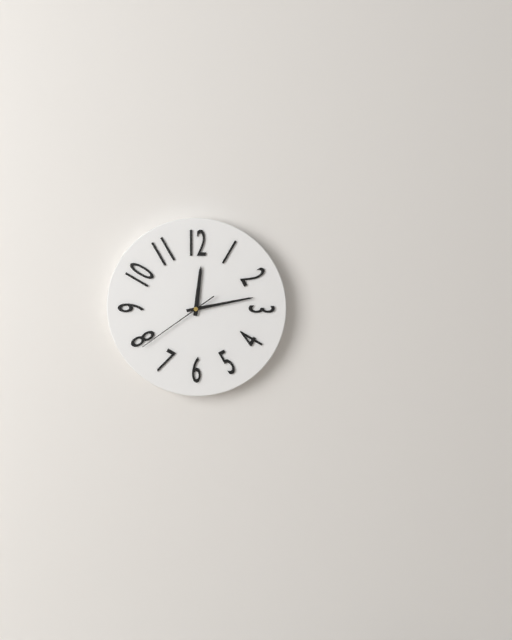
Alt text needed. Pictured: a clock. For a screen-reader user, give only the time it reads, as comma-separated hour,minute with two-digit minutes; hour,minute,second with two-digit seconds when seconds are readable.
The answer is 12,13,39
